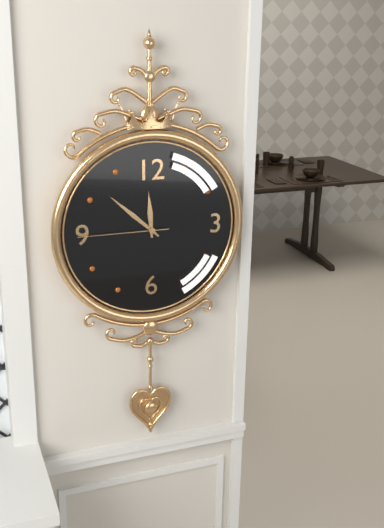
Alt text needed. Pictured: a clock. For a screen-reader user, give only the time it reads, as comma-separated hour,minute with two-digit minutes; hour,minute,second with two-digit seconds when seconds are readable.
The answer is 11,52,45
